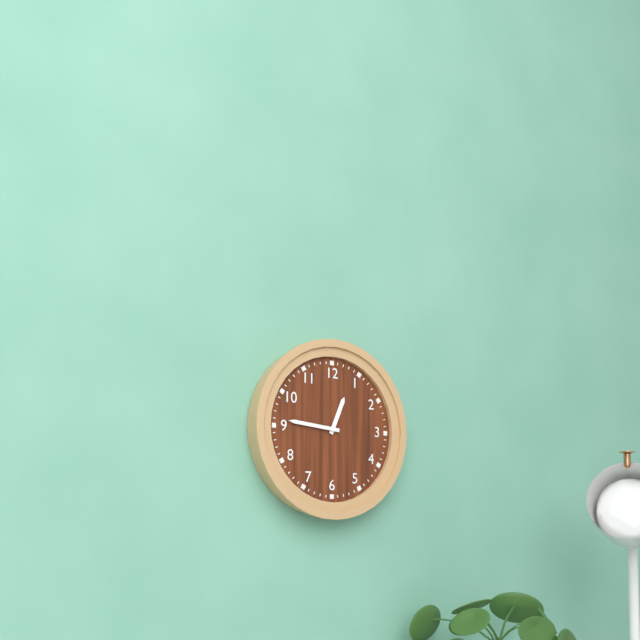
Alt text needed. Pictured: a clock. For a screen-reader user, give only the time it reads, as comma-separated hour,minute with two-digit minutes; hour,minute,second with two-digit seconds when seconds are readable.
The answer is 12,46
